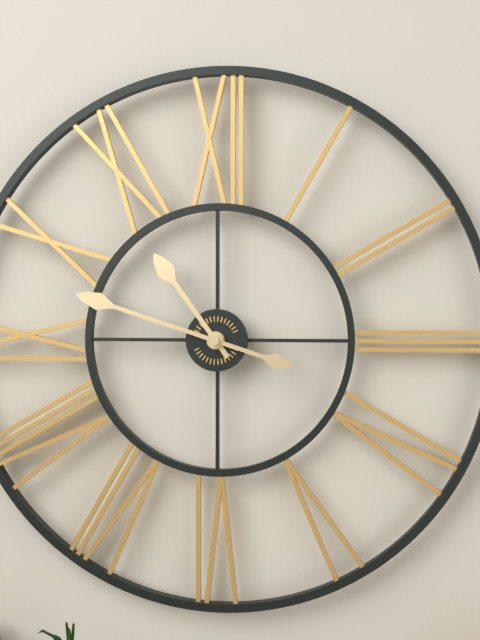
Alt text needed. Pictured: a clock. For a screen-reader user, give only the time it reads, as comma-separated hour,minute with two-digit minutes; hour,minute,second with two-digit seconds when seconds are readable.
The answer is 10,48
